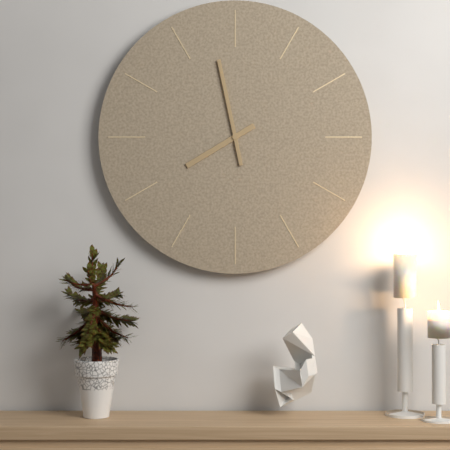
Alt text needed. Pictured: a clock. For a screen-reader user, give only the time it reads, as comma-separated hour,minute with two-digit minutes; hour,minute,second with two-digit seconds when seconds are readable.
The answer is 7,58
